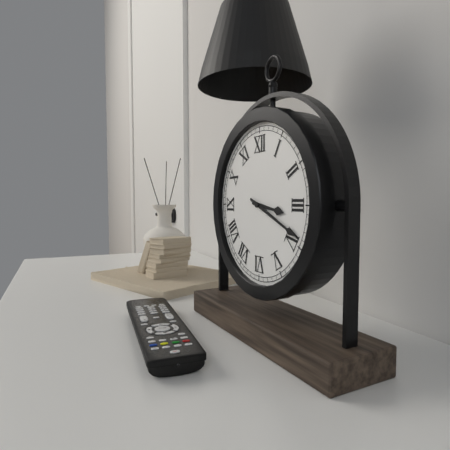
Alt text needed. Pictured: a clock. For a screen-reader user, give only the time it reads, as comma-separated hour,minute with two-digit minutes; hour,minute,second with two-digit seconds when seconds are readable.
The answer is 3,19
